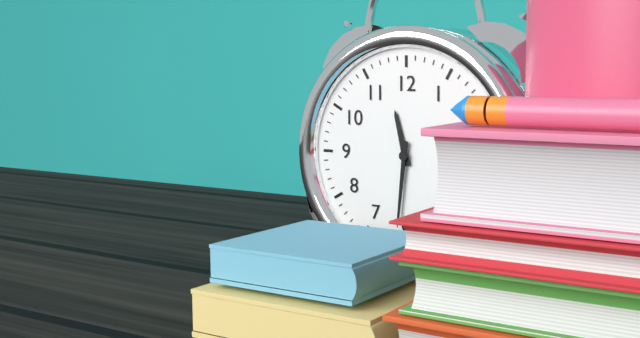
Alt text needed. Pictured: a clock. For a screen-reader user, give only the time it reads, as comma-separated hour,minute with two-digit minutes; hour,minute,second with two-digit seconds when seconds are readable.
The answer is 11,31
